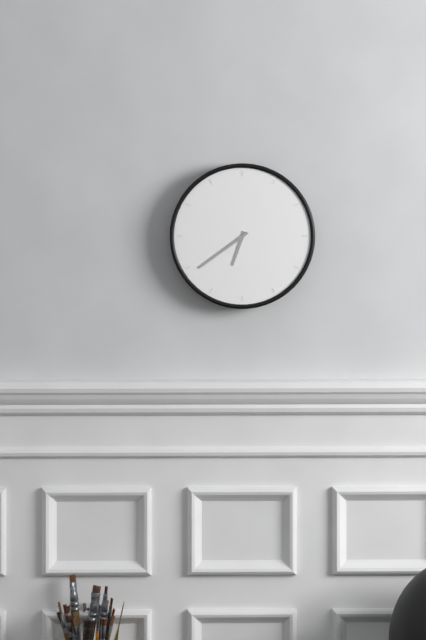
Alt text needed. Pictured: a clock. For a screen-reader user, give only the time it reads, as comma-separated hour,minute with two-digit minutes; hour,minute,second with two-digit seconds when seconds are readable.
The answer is 6,39
